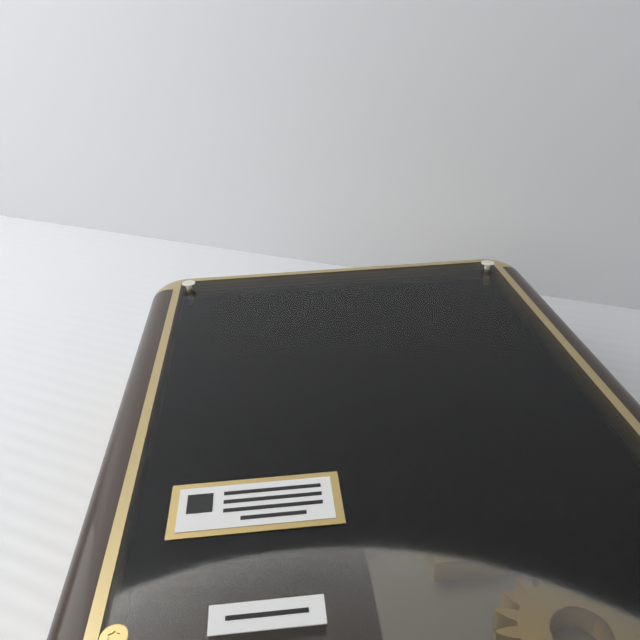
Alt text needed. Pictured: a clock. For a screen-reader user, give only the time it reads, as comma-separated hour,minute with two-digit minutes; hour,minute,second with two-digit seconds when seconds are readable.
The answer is 6,39
